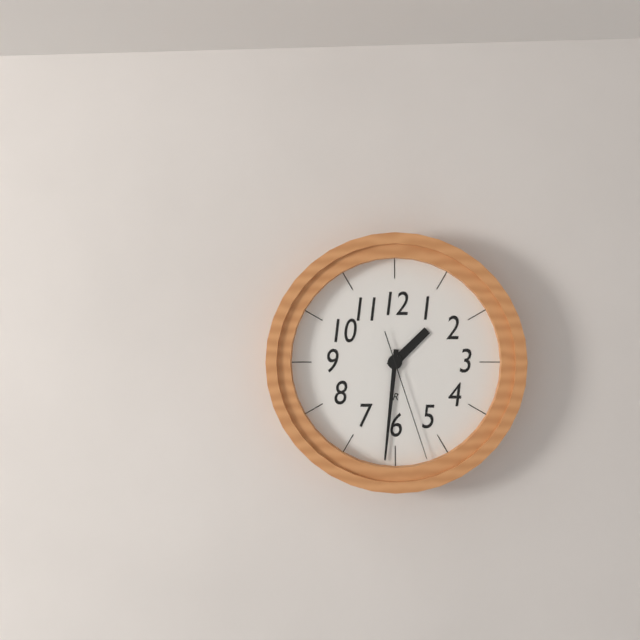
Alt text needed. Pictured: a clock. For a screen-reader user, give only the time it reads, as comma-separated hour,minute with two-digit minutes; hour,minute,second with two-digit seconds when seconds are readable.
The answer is 1,31,27
